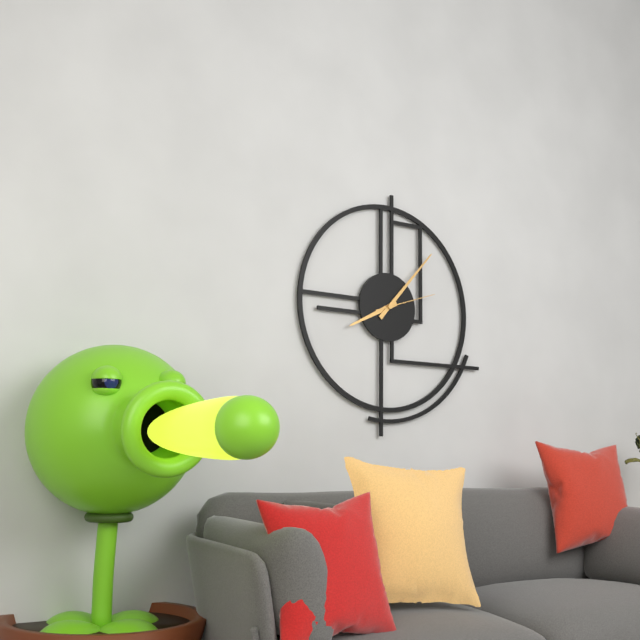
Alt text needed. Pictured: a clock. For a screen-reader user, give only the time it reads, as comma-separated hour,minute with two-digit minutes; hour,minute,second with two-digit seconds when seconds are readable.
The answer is 8,07,12
